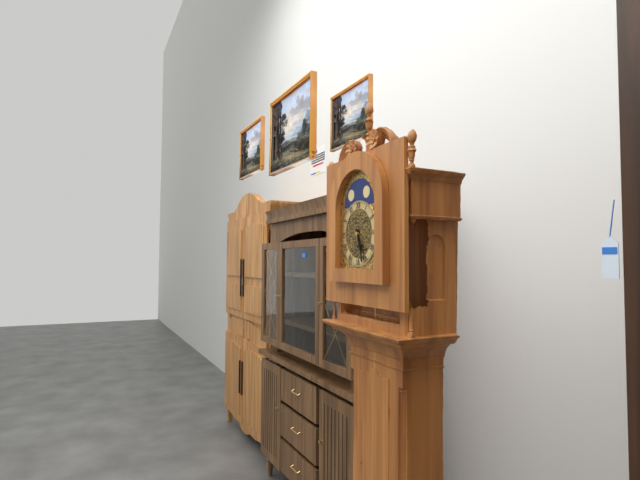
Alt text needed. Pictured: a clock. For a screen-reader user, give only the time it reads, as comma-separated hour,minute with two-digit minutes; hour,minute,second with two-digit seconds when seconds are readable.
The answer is 5,27
